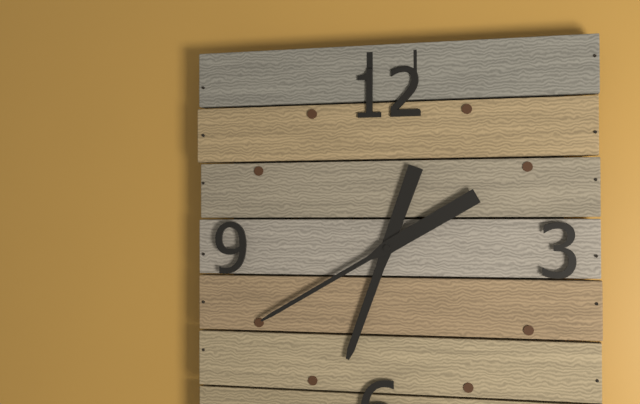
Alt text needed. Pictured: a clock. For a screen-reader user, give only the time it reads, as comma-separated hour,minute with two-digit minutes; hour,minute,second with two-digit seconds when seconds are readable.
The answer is 6,40
